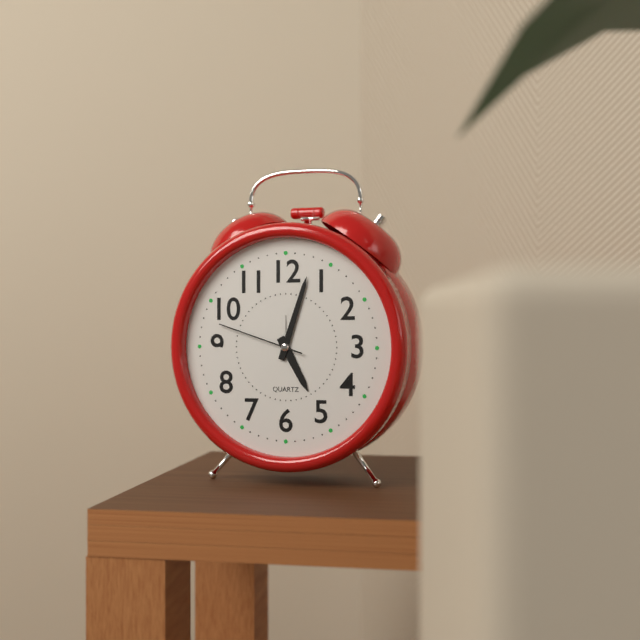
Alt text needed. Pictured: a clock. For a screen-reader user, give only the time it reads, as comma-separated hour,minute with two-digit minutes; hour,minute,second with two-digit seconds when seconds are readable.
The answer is 5,03,48
